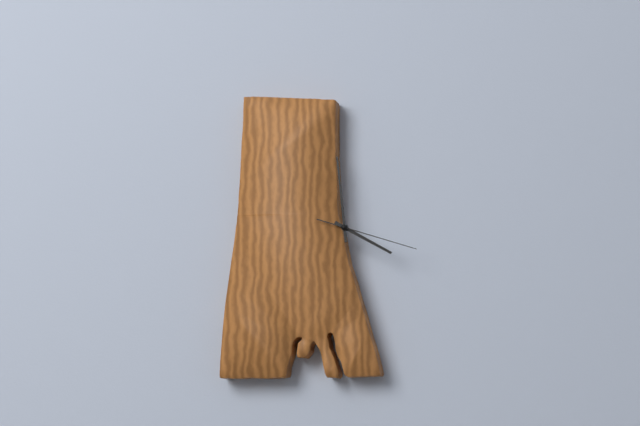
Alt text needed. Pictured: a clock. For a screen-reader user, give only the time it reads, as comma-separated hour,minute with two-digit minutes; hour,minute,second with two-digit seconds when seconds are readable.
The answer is 3,59,18
